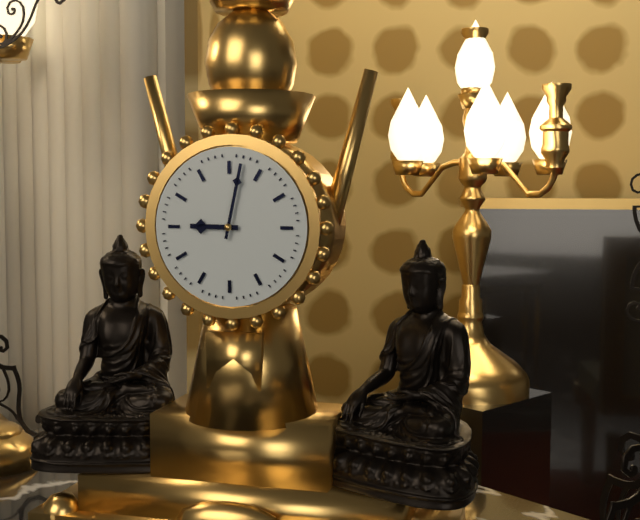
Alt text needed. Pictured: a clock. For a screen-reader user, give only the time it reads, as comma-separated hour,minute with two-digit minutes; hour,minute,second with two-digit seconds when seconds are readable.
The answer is 9,02
